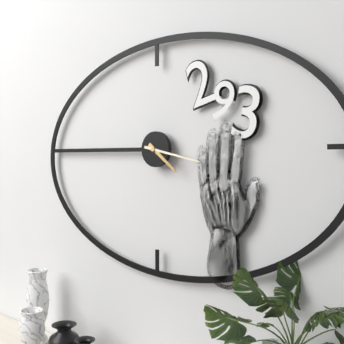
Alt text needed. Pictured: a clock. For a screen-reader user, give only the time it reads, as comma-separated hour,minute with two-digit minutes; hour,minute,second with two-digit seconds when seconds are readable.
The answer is 4,17
